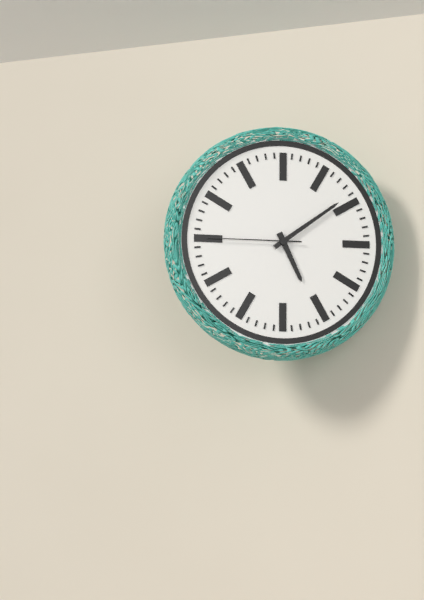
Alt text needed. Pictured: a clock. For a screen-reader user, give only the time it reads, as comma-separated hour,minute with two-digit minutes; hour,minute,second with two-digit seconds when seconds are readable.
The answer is 5,09,45
